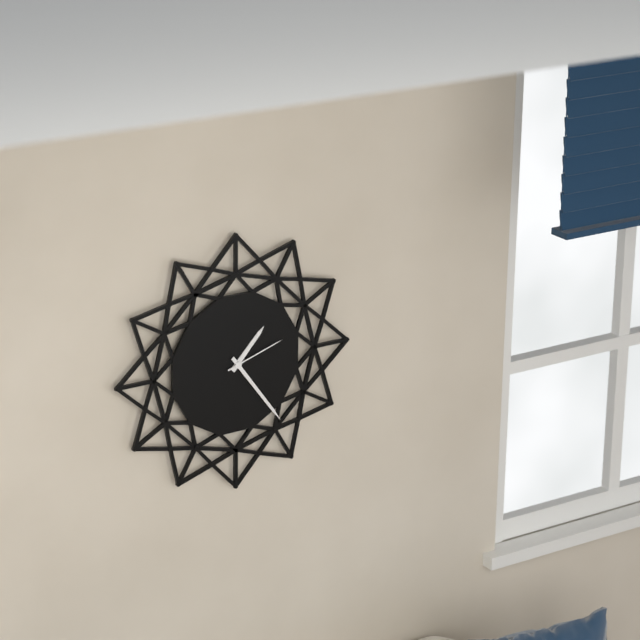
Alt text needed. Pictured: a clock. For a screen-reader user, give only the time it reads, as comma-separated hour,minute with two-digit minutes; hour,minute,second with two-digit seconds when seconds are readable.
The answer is 1,24,12
